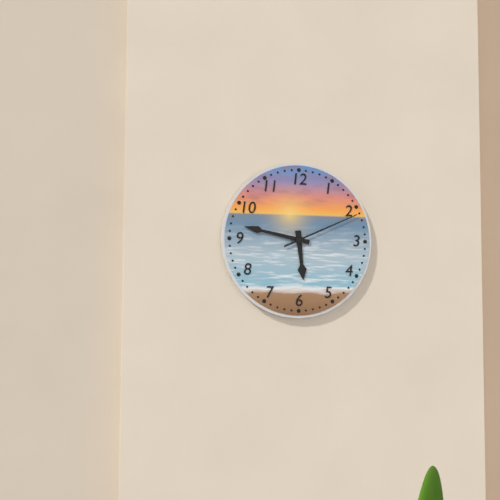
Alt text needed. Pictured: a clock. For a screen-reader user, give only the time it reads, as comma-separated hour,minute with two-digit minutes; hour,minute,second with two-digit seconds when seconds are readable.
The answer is 5,47,11
